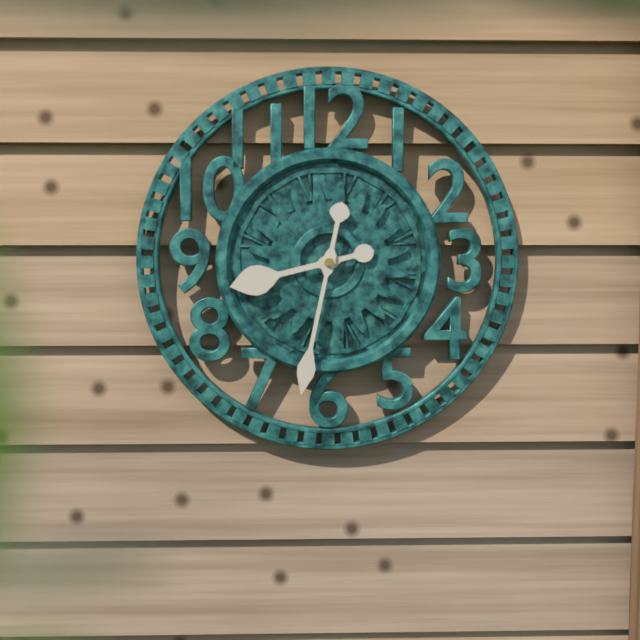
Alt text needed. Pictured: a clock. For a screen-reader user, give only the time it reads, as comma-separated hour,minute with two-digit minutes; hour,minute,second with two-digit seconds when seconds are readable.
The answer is 8,32
